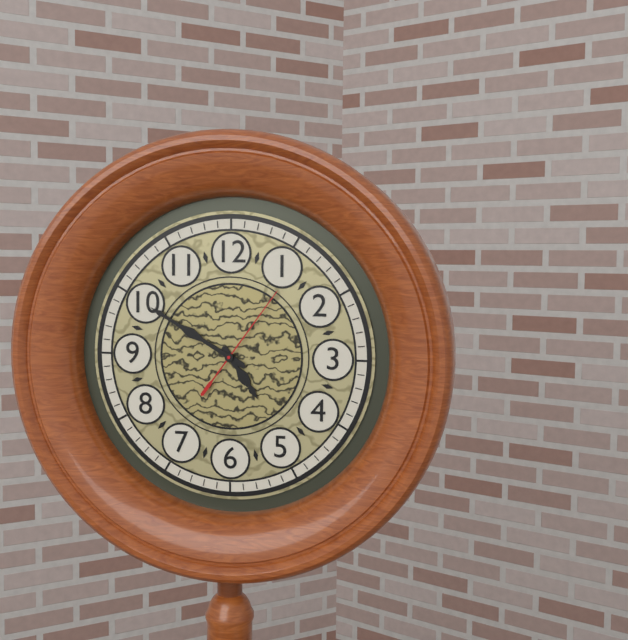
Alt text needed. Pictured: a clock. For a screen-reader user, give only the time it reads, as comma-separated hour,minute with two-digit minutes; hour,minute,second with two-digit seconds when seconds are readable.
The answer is 4,50,06
